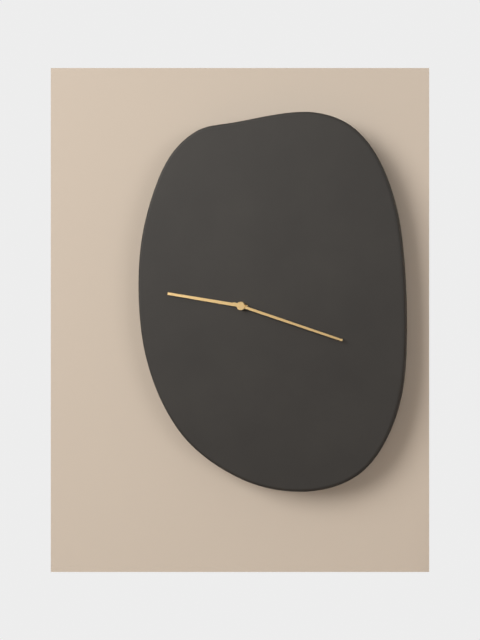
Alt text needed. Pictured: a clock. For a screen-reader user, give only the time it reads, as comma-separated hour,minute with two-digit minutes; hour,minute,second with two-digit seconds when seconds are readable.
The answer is 9,18
